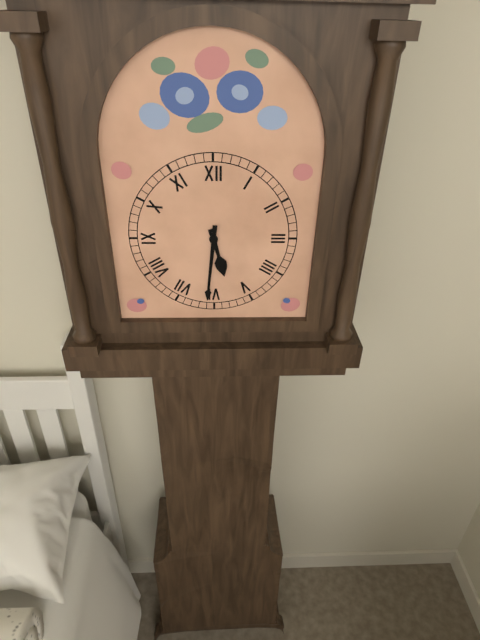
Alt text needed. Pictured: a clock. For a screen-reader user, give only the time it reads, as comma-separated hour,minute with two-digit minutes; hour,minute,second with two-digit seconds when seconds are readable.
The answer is 5,31
